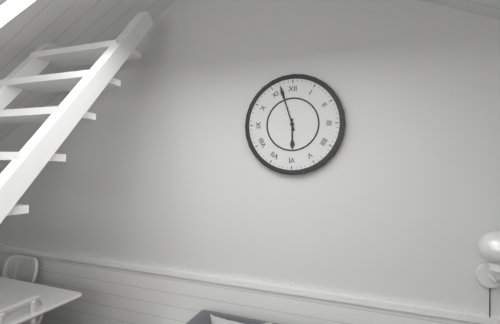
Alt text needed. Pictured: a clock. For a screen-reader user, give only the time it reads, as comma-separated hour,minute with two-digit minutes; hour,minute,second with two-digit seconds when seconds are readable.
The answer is 5,57
